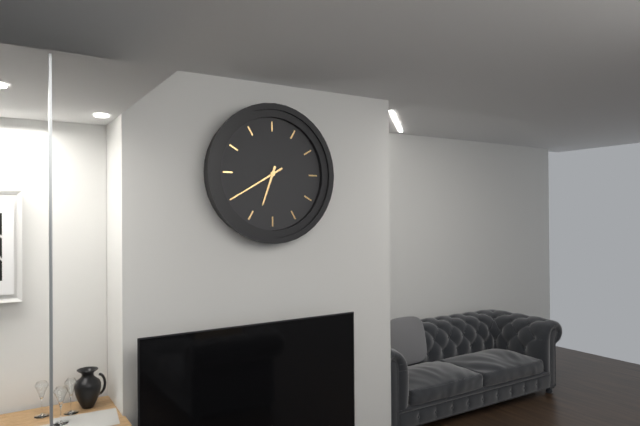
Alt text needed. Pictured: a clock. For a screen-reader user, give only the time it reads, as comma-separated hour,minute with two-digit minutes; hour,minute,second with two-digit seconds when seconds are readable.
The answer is 6,40
